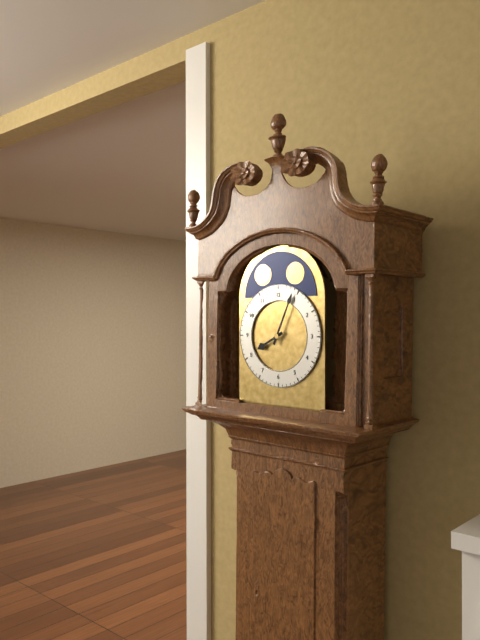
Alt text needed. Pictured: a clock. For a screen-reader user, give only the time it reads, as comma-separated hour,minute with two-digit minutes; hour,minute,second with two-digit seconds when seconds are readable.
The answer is 8,04
